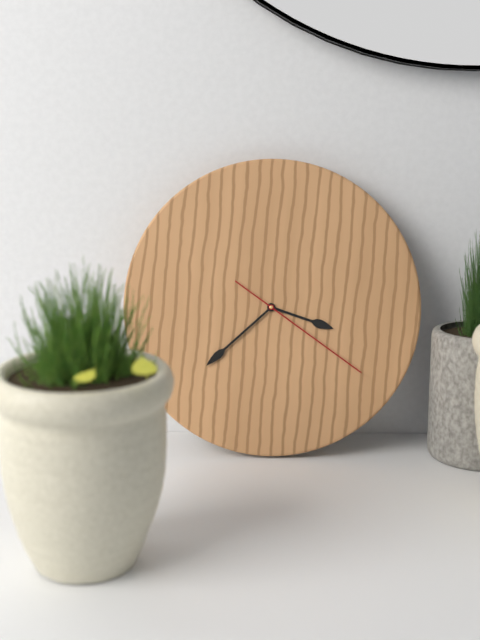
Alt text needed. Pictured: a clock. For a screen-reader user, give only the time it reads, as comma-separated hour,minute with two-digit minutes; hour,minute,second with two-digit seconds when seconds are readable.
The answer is 3,38,21
